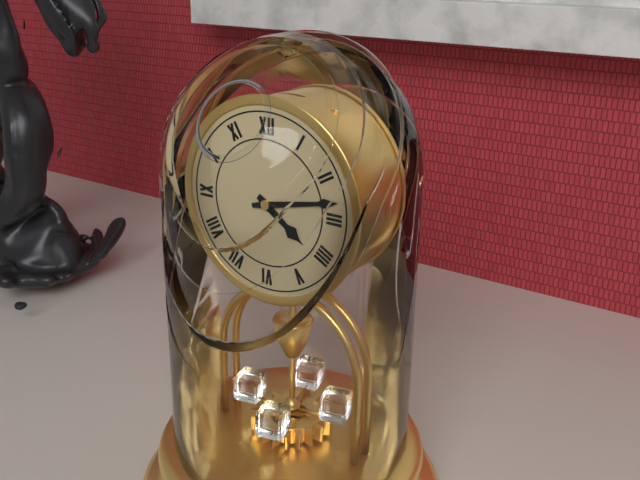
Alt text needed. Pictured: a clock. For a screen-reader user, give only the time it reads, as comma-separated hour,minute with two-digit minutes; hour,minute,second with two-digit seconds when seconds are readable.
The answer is 4,13
